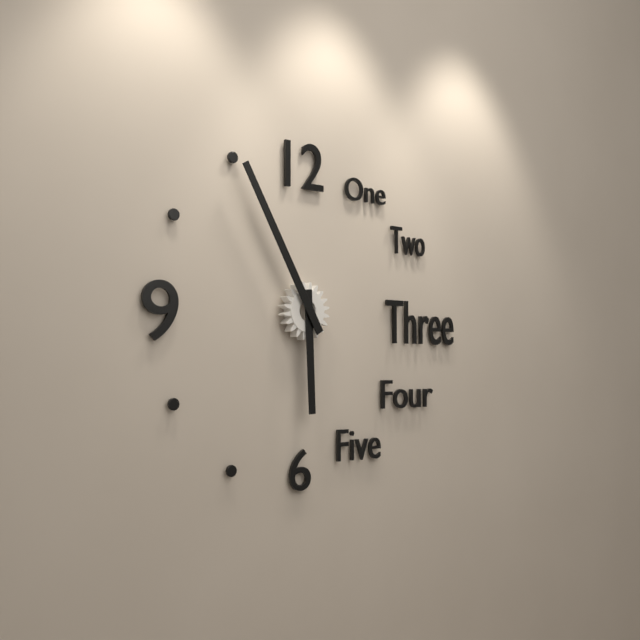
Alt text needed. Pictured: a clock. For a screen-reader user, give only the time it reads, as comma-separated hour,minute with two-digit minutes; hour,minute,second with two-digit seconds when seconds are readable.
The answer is 5,55
